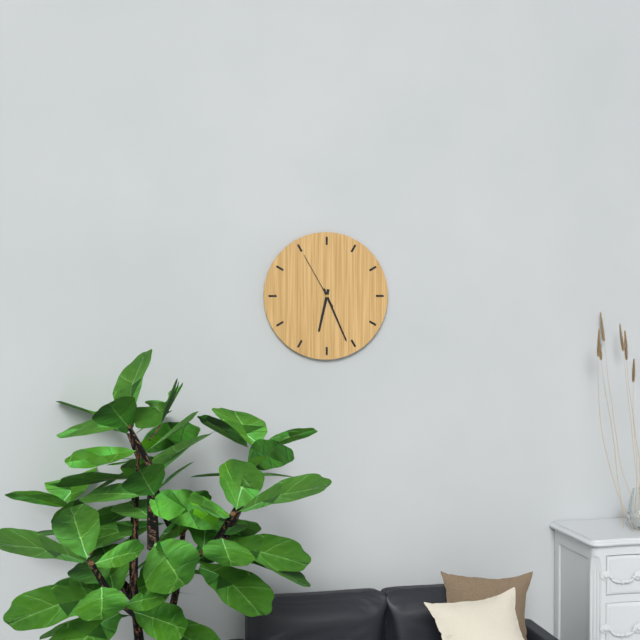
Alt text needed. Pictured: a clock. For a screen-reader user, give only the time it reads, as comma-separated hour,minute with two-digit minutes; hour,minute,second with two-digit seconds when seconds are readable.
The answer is 6,26,55
